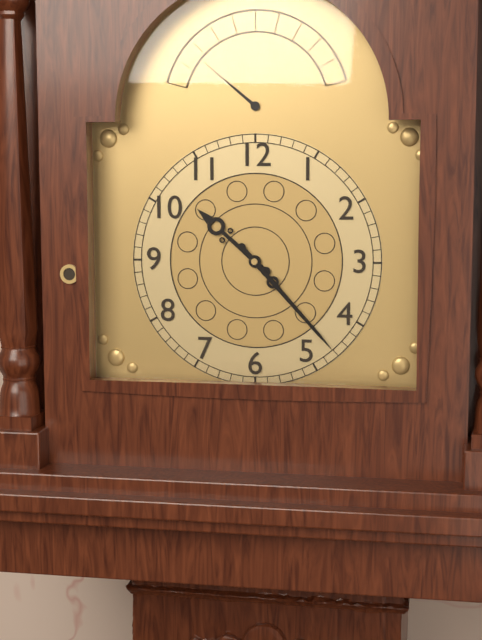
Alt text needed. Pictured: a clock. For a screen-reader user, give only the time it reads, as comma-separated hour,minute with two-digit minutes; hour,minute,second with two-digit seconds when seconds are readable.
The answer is 10,23
